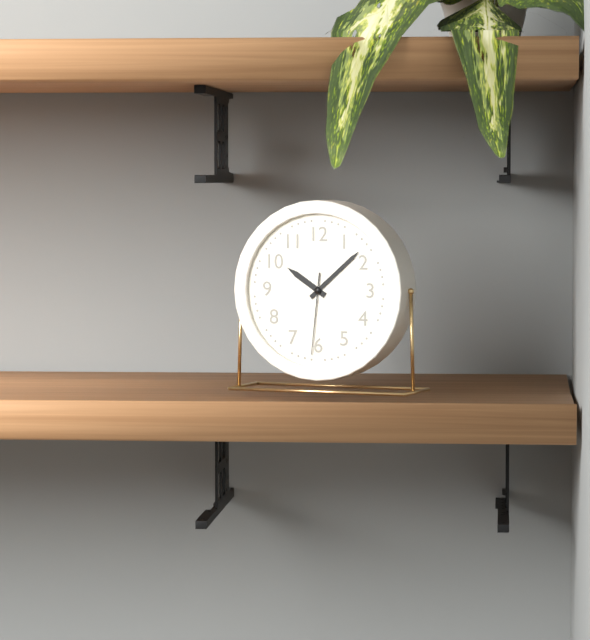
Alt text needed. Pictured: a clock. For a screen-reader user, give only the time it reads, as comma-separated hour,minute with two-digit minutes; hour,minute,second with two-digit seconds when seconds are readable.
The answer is 10,08,31
